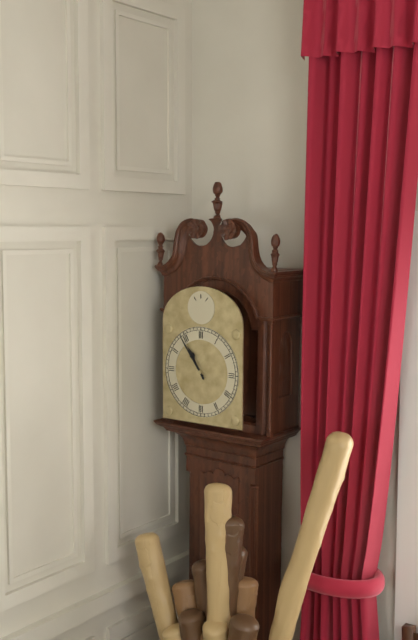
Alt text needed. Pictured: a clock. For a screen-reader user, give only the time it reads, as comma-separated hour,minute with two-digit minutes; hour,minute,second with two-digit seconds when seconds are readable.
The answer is 10,54
